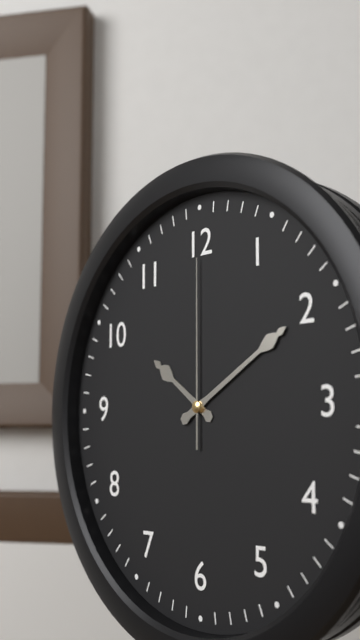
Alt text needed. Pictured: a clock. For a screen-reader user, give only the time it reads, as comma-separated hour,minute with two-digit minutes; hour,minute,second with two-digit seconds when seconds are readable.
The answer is 10,10,00
